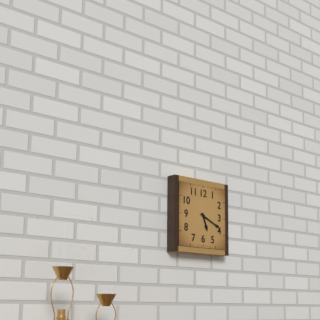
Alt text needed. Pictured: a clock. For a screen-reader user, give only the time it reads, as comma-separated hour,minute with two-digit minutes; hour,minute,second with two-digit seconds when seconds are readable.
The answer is 5,19
